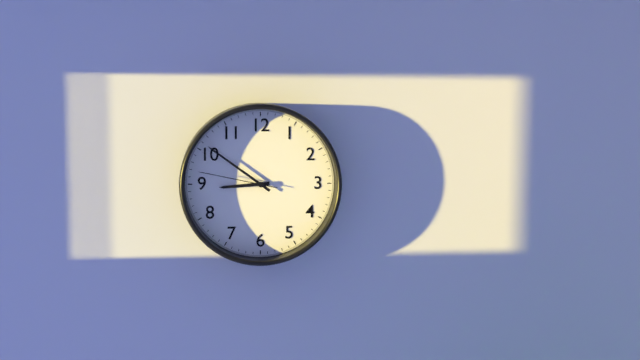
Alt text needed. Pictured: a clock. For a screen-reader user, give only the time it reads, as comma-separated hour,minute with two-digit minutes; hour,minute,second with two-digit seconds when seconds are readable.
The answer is 8,51,47
